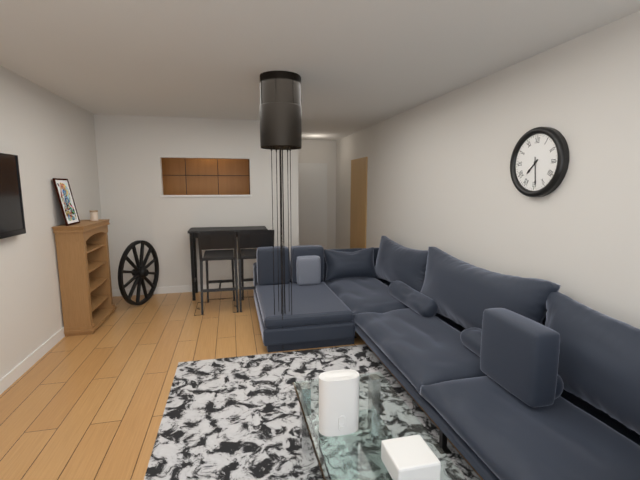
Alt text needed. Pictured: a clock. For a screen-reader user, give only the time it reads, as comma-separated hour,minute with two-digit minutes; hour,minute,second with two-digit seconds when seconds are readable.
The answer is 7,29
